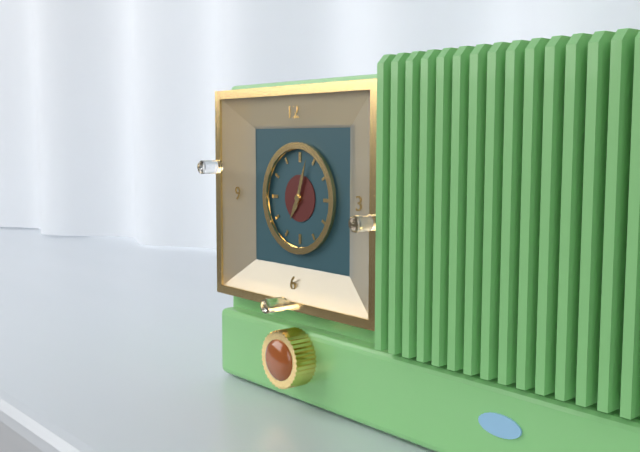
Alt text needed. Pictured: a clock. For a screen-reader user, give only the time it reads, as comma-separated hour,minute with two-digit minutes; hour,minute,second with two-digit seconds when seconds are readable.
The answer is 7,03
